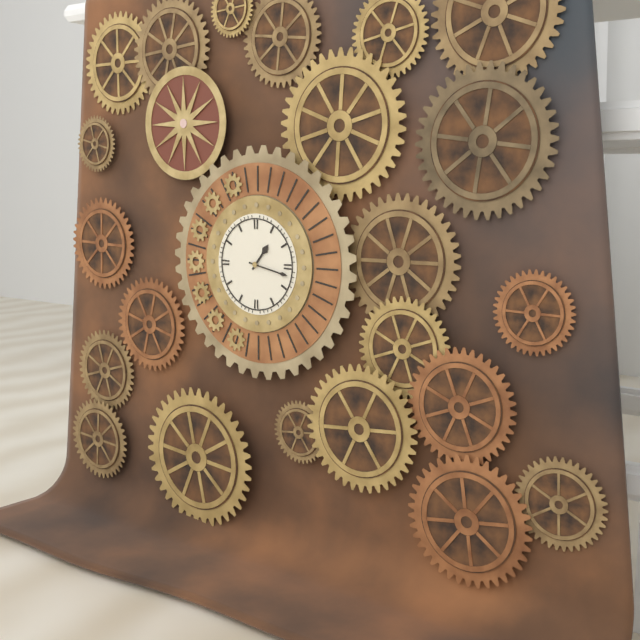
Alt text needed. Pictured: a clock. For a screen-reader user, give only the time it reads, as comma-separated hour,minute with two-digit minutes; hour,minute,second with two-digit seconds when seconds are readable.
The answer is 1,17
